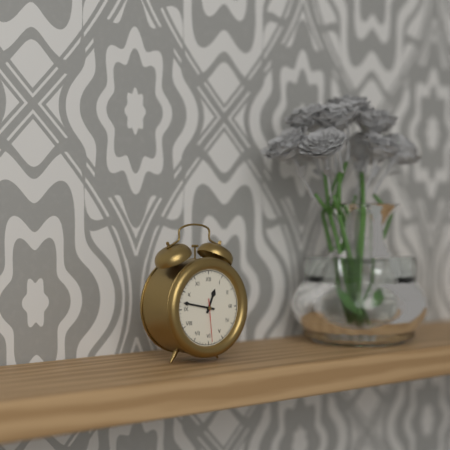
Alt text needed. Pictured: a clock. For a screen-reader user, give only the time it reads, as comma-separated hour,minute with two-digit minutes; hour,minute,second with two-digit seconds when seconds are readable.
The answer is 12,47
